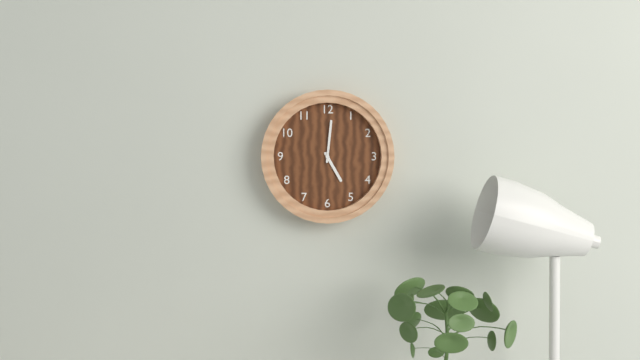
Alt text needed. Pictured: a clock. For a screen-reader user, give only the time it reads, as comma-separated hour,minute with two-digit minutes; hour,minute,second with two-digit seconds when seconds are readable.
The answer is 5,01
